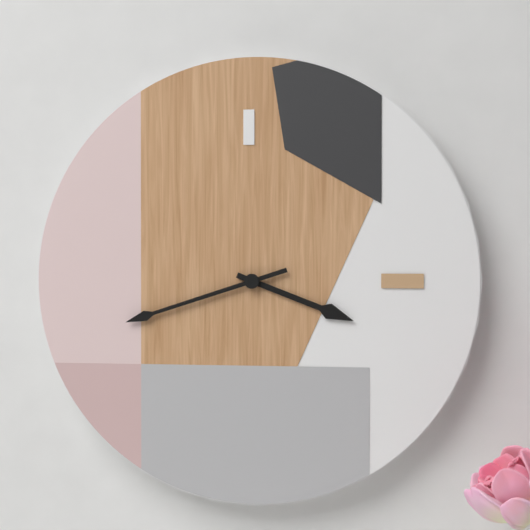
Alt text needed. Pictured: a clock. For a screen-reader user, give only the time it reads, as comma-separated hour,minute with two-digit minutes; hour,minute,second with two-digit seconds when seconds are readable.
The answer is 3,42
